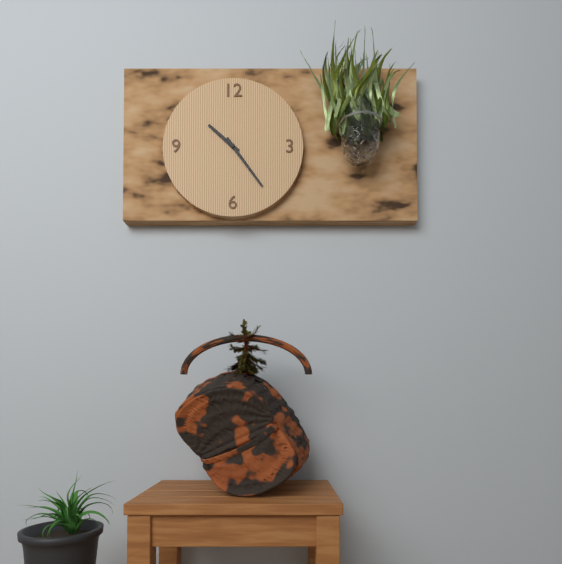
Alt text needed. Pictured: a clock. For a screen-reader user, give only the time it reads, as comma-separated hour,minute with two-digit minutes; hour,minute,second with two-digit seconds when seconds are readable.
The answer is 10,24
